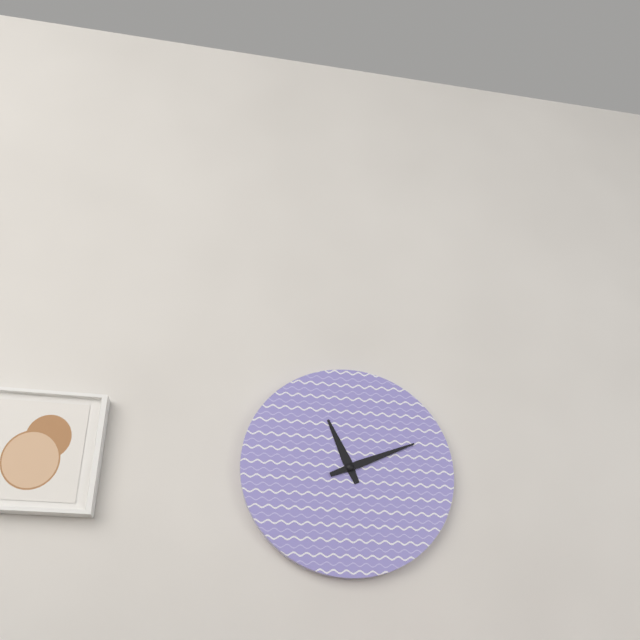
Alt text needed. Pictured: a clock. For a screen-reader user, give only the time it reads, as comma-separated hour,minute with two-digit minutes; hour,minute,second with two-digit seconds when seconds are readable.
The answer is 11,11
